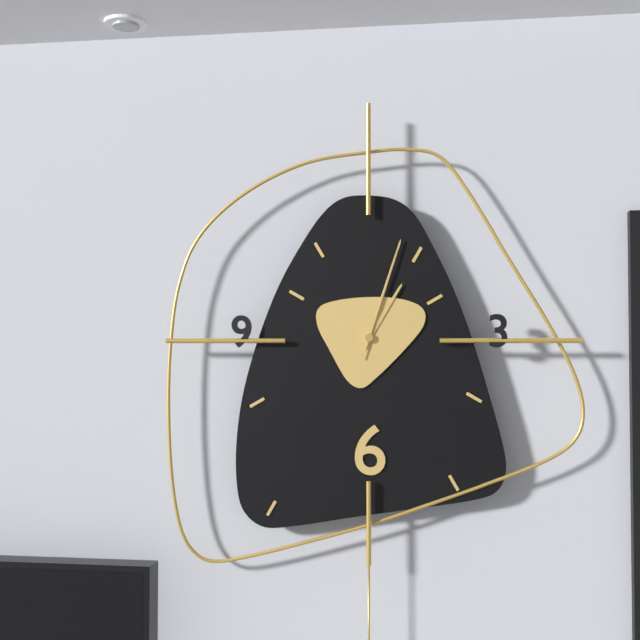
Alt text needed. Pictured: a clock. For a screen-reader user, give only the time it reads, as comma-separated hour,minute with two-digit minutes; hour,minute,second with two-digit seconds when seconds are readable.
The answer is 1,03,03
